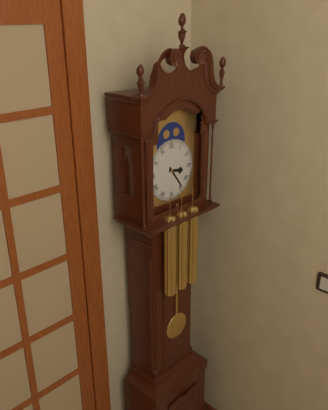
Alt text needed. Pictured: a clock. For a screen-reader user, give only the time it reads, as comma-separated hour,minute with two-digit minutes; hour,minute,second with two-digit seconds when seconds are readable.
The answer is 3,24
